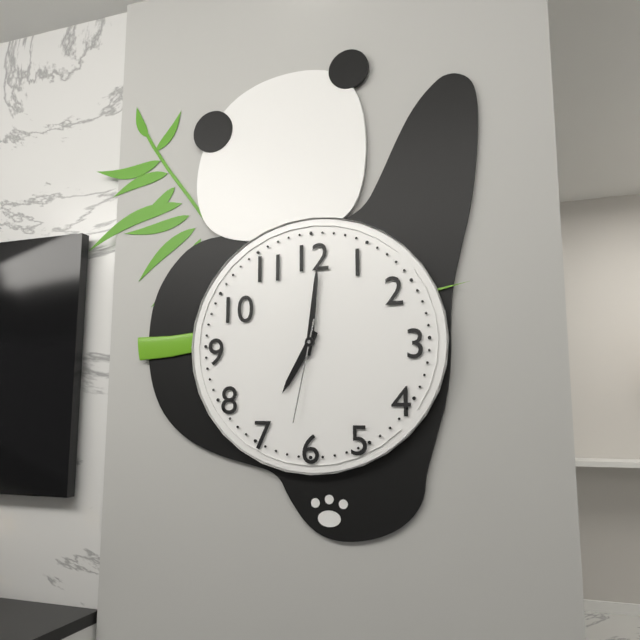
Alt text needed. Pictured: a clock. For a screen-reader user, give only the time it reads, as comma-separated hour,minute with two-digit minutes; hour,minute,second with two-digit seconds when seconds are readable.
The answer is 7,01,32
